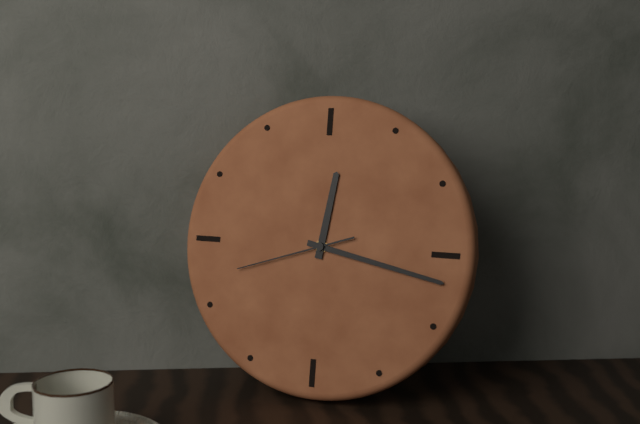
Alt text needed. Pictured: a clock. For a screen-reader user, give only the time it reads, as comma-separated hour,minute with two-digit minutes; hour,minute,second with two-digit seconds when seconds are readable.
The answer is 12,17,42
